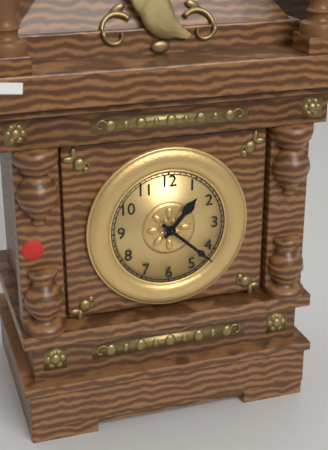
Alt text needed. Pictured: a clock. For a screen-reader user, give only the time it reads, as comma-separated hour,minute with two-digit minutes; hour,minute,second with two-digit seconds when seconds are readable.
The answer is 1,22
